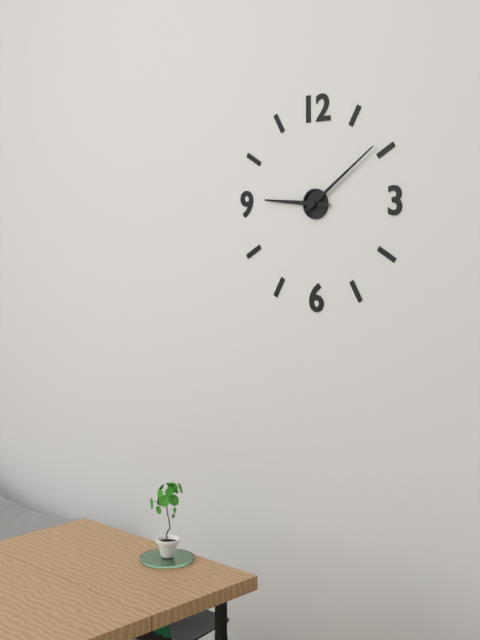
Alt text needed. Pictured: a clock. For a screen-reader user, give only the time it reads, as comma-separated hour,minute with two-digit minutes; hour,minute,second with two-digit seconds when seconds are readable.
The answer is 9,09
